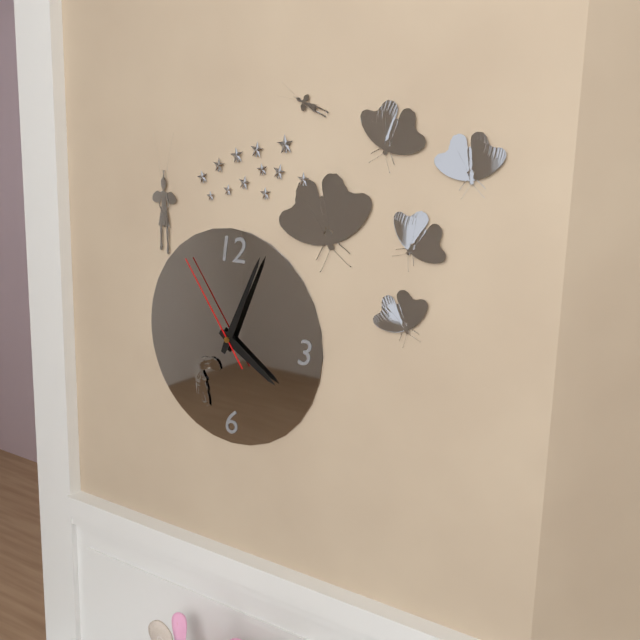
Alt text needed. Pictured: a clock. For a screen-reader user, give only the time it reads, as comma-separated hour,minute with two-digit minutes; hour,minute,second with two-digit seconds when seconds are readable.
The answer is 4,04,54
